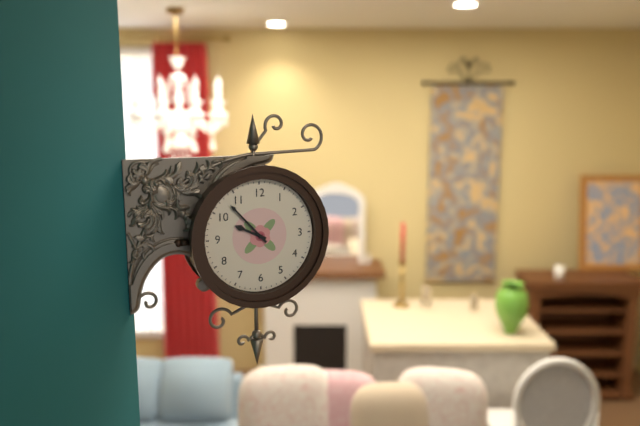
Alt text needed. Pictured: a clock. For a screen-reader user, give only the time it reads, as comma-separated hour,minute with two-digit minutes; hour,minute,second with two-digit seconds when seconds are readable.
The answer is 9,53
